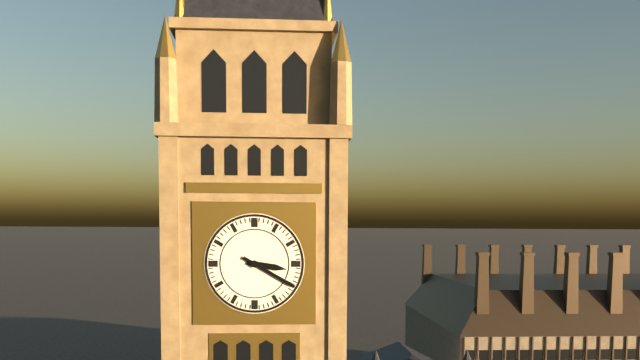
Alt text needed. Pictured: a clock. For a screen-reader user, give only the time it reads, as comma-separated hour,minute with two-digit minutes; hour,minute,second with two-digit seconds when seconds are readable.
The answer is 3,20
